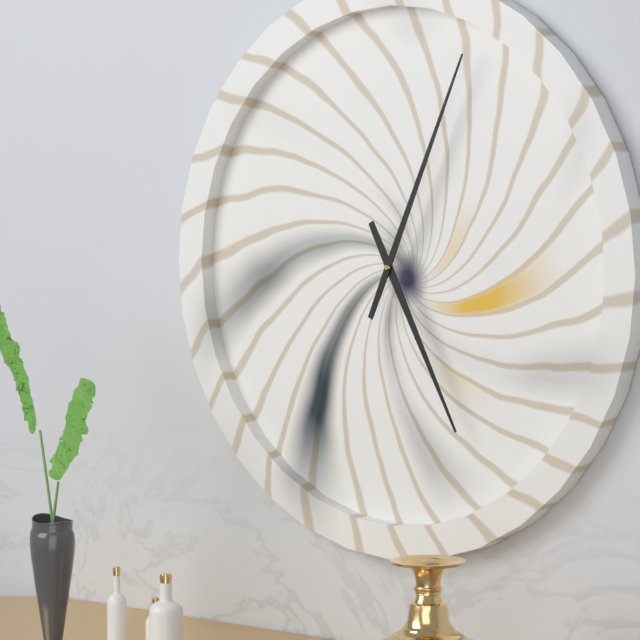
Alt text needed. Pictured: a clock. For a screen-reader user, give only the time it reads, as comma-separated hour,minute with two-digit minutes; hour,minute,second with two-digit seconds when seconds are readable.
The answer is 5,04
